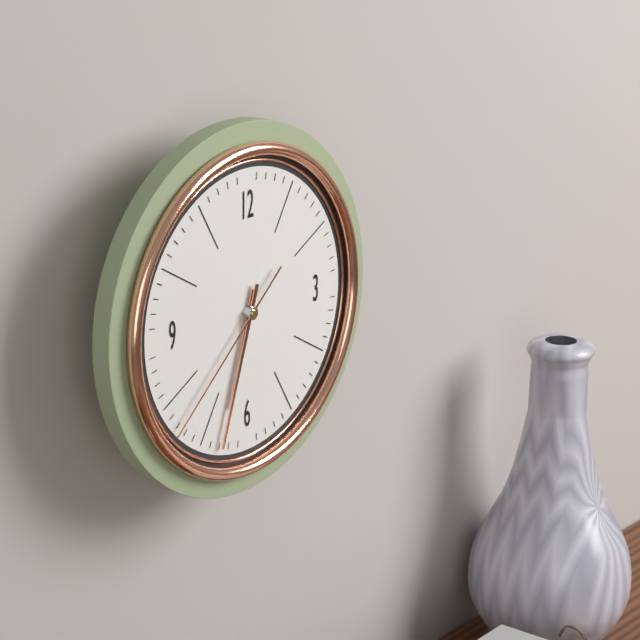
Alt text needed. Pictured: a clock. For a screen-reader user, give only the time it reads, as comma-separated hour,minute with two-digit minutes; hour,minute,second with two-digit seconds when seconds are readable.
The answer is 6,33,38
